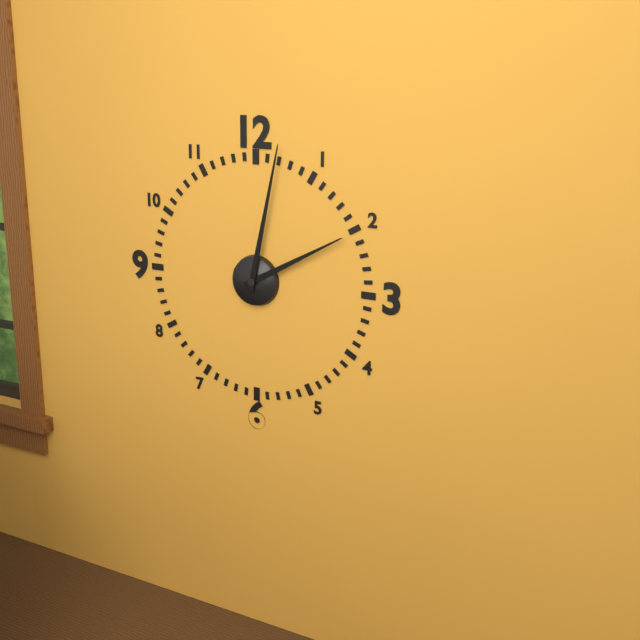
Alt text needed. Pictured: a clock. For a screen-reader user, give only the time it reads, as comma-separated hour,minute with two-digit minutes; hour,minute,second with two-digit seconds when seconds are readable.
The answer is 2,02
